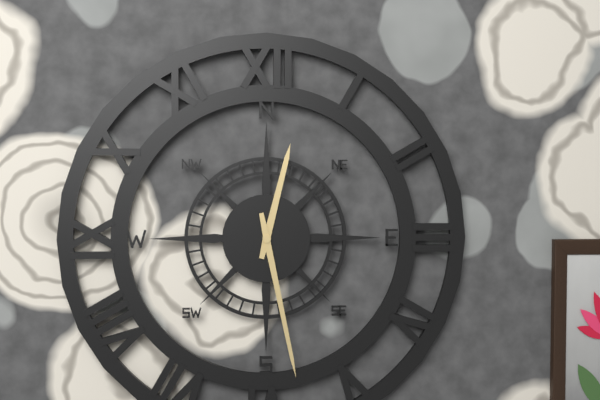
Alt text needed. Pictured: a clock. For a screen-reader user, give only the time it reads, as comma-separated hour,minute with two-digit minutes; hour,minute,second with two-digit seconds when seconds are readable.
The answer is 12,28
